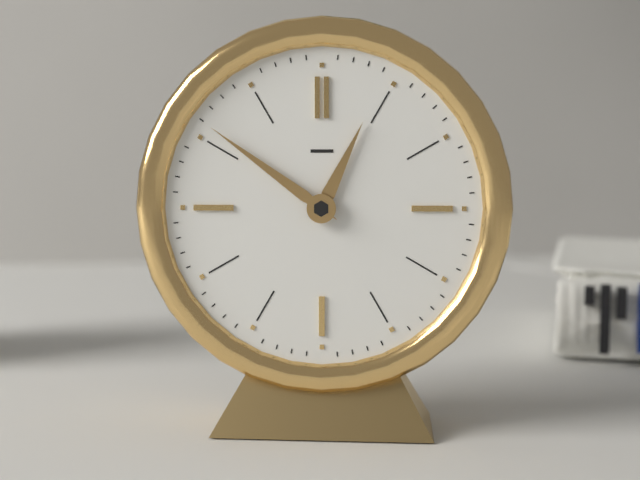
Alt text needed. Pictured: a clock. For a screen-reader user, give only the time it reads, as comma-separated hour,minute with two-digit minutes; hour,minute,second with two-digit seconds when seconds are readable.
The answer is 12,51
